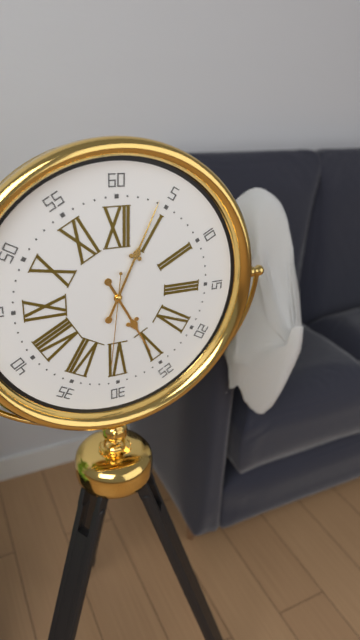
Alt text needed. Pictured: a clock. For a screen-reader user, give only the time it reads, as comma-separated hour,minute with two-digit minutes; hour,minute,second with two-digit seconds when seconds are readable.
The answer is 5,04,31
